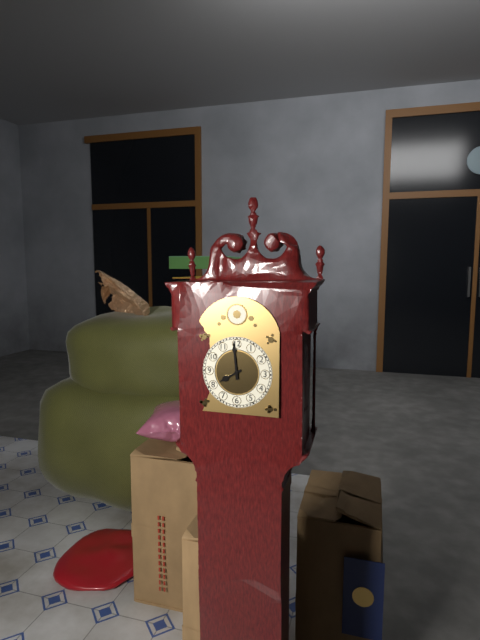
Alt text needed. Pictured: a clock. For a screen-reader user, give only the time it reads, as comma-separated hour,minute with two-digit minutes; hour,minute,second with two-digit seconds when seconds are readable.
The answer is 7,59
